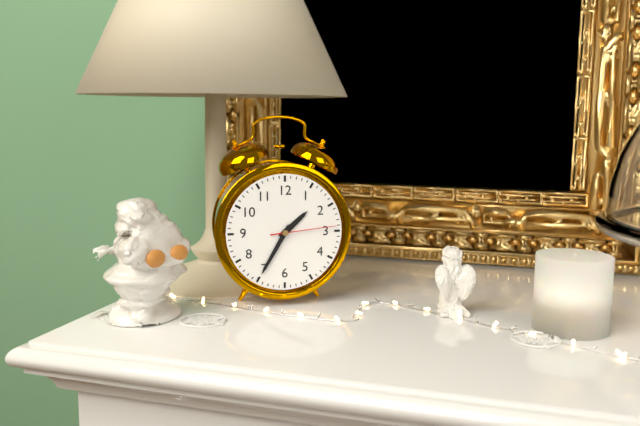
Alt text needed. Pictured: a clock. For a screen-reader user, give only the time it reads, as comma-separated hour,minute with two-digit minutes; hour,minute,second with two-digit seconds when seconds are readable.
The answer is 1,35,14
